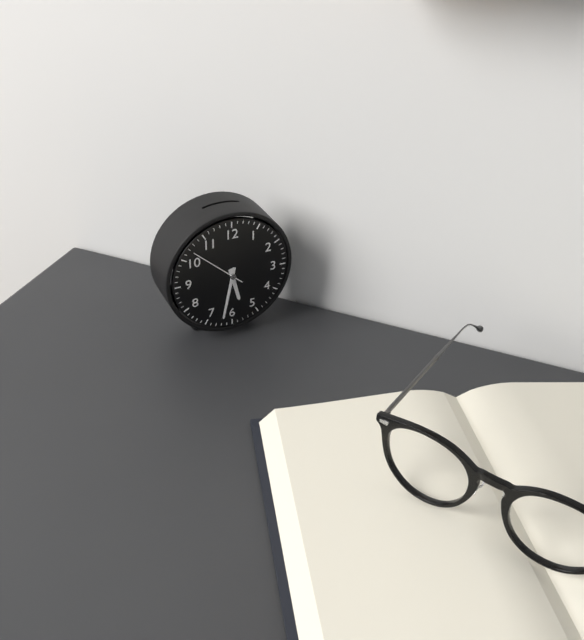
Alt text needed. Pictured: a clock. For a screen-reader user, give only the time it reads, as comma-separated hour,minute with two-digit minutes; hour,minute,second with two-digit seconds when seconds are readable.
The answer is 5,32,52
